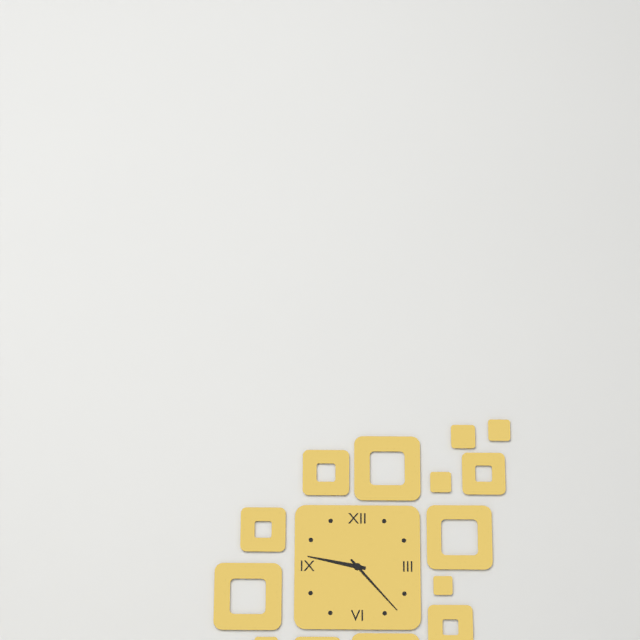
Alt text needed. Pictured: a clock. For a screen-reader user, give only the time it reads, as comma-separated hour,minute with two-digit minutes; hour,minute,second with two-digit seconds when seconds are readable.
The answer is 9,23
